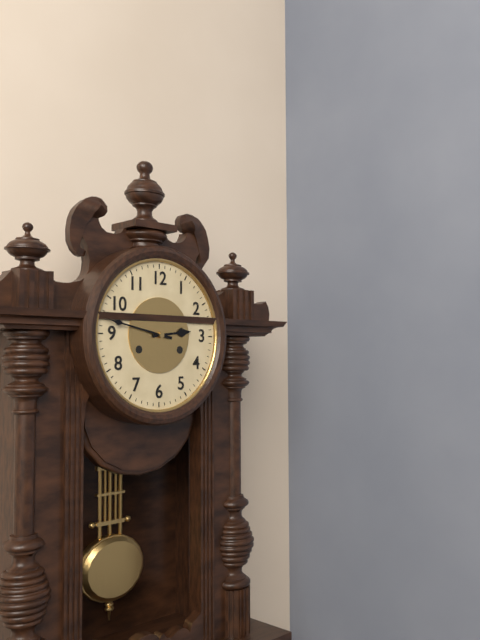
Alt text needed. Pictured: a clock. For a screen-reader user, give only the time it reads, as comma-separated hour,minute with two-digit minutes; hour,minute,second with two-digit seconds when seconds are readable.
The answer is 2,47
